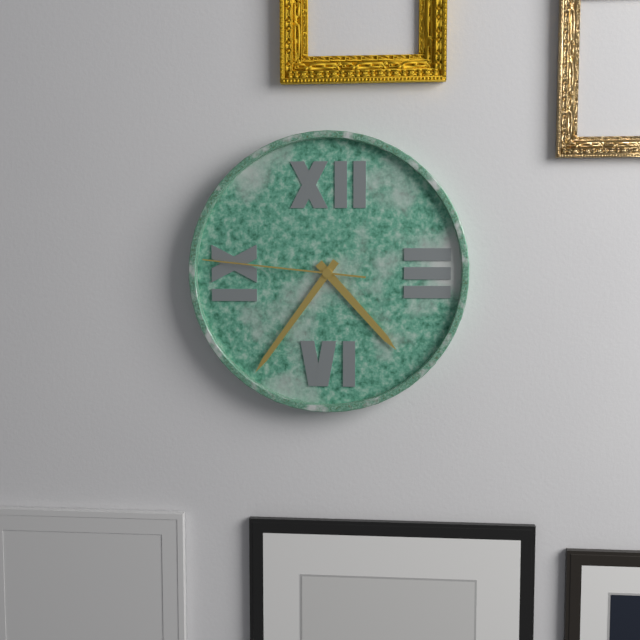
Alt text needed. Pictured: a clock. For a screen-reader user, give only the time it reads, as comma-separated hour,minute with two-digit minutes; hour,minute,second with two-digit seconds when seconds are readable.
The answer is 4,36,46
